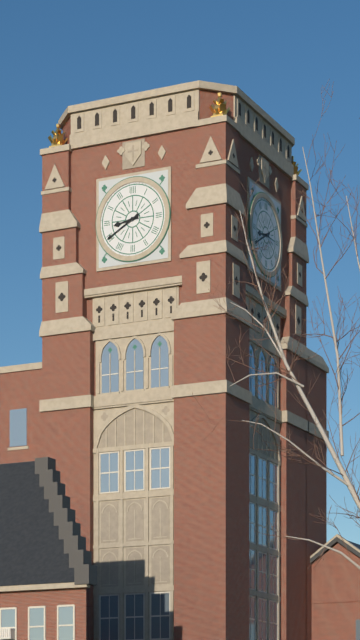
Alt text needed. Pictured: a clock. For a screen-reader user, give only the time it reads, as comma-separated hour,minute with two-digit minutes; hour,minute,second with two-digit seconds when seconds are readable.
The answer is 8,40
